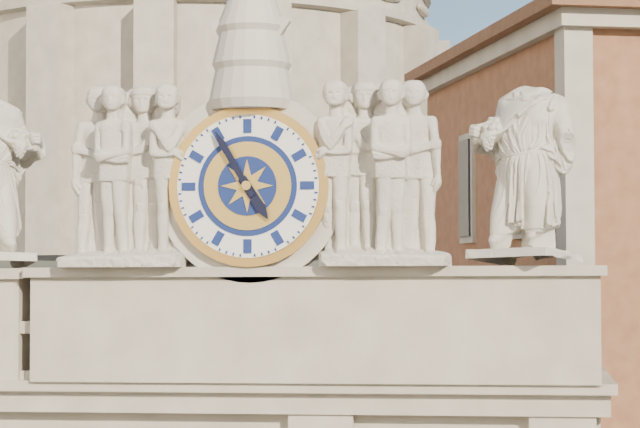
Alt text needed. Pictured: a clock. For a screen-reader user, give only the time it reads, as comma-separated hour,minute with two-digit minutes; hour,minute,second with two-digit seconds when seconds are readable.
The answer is 4,55
